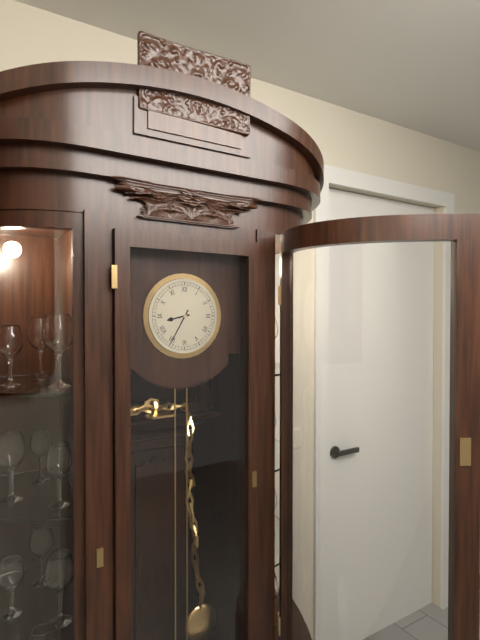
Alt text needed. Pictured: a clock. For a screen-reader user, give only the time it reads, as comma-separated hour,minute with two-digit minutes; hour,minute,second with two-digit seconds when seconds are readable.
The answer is 8,35
